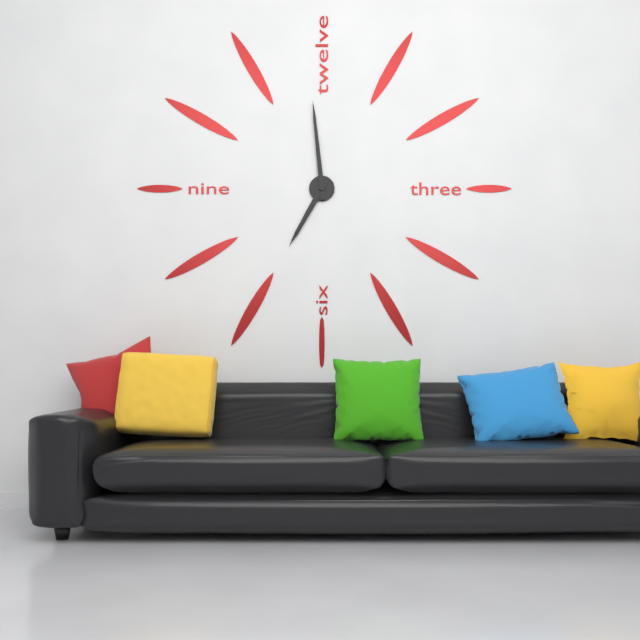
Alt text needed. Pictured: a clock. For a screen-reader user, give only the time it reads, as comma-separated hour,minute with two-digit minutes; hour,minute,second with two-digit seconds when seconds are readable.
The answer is 6,59
